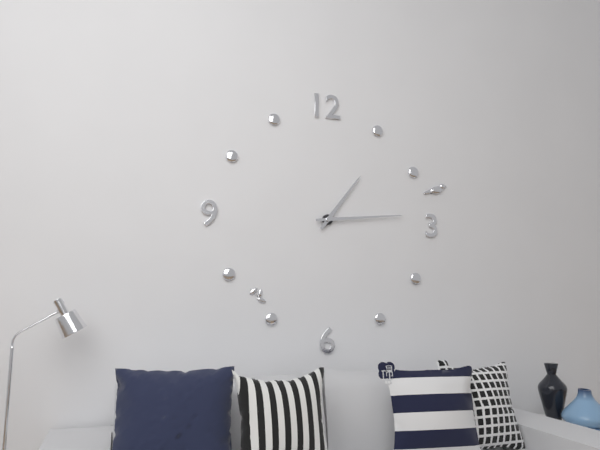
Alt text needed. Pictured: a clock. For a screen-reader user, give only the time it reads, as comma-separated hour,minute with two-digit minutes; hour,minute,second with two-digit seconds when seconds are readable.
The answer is 1,14
